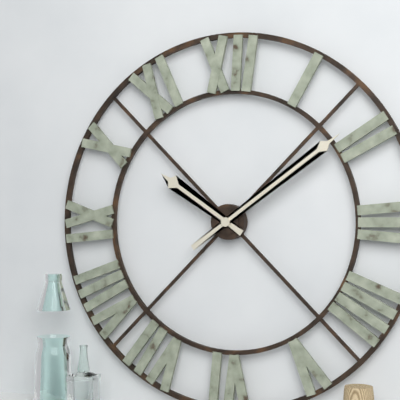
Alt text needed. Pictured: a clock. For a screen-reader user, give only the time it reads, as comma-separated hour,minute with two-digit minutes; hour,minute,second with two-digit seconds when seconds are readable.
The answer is 10,09
